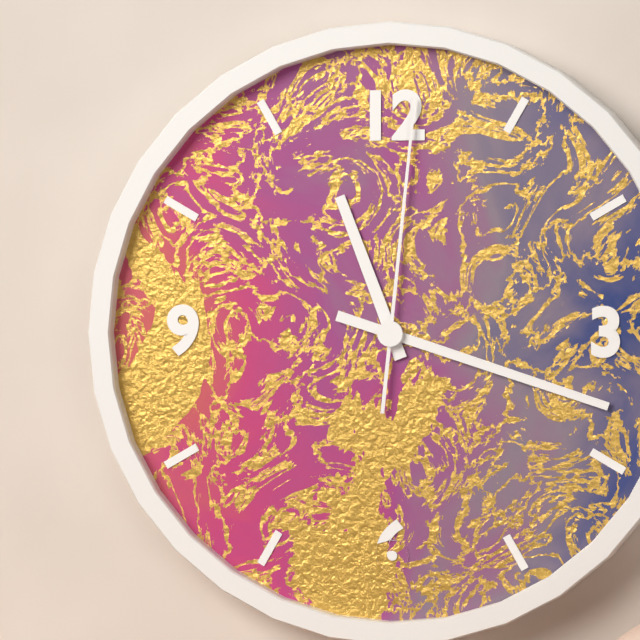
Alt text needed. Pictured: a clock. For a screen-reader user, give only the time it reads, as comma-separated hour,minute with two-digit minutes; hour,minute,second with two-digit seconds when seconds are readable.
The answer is 11,18,01
